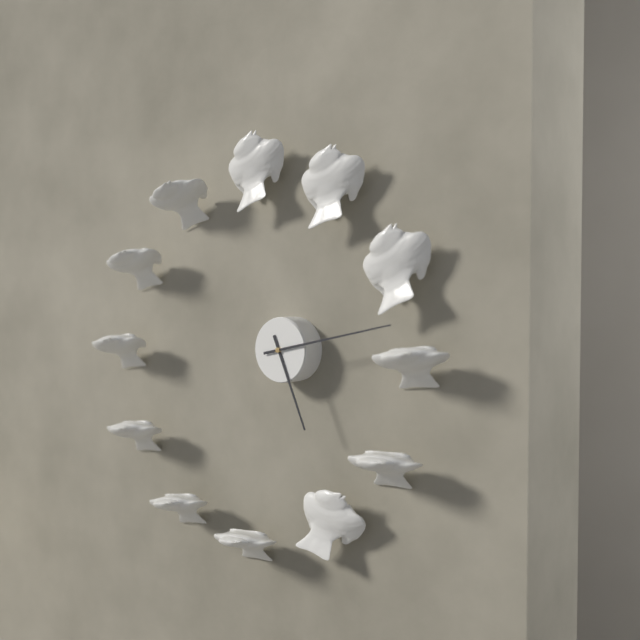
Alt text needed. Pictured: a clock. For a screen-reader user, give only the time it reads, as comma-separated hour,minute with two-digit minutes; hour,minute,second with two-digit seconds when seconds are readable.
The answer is 5,13
